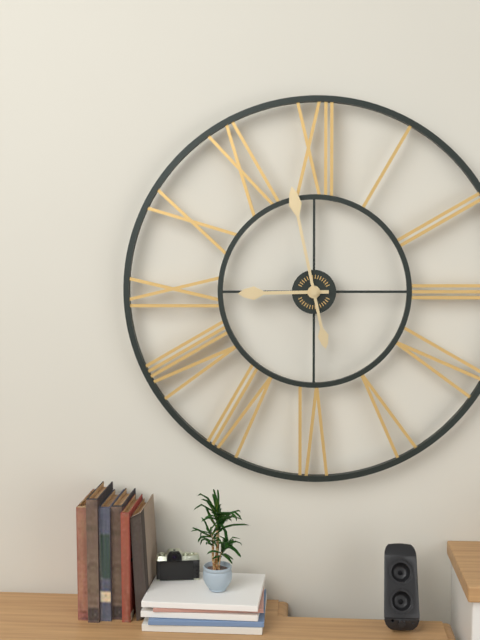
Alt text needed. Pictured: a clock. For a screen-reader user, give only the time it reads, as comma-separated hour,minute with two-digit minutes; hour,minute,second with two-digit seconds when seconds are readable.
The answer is 8,58
